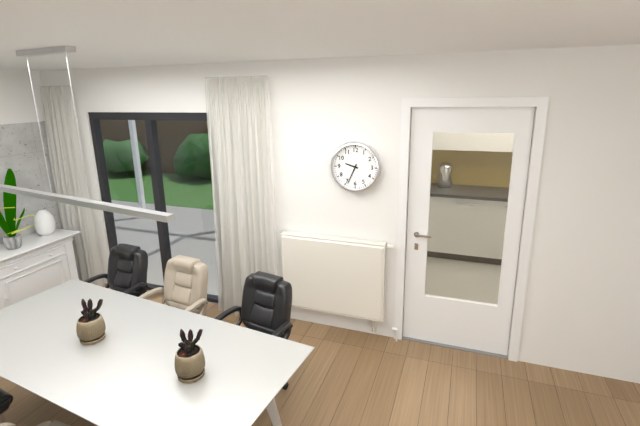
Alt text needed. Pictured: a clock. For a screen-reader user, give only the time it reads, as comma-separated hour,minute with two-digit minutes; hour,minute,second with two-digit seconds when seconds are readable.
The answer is 9,34
